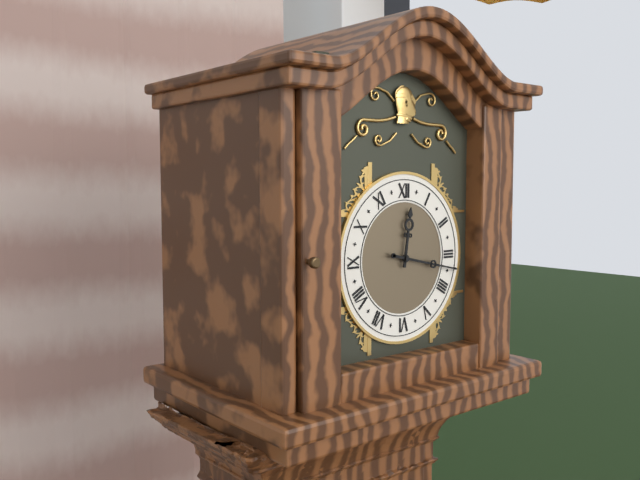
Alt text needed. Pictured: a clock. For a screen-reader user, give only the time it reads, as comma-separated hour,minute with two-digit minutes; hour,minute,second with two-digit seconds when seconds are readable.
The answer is 12,17
